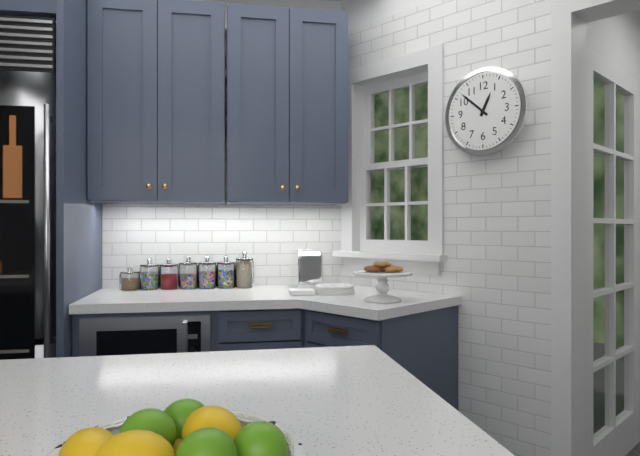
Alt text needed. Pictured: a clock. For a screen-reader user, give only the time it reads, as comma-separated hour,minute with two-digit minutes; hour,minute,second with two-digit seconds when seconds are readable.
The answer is 12,52
